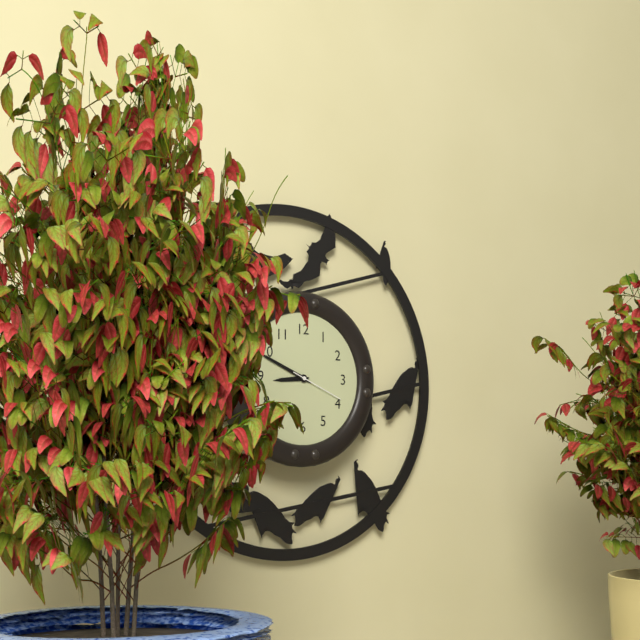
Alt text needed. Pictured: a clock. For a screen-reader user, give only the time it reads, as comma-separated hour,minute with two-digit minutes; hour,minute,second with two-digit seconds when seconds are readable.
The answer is 8,49,19
